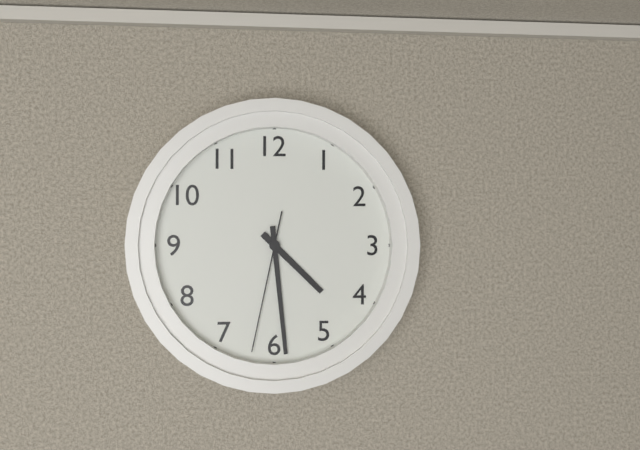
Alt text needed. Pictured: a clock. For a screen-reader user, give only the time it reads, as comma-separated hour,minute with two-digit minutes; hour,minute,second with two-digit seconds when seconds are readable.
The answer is 4,29,32
